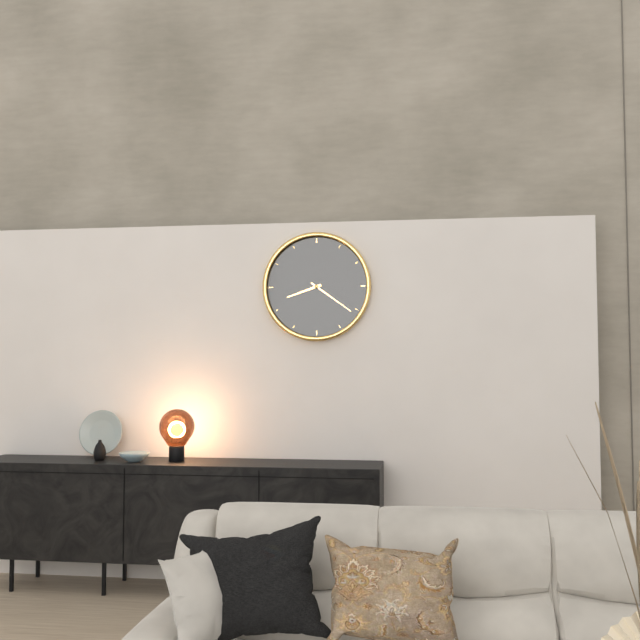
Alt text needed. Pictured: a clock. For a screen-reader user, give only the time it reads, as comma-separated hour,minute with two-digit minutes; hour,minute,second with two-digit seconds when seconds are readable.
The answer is 8,21
